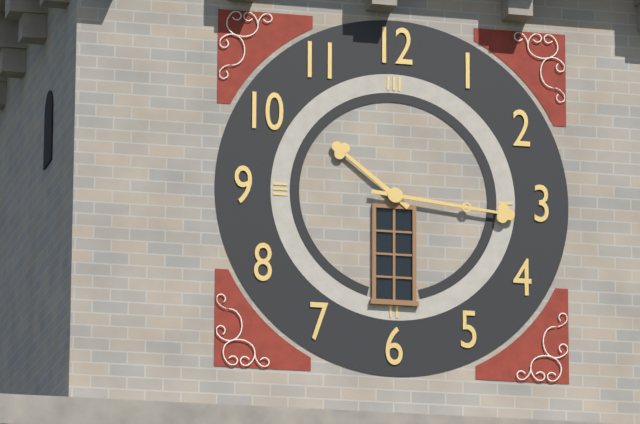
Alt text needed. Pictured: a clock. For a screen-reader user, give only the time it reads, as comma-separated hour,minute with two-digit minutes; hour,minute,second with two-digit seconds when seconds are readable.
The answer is 10,16
